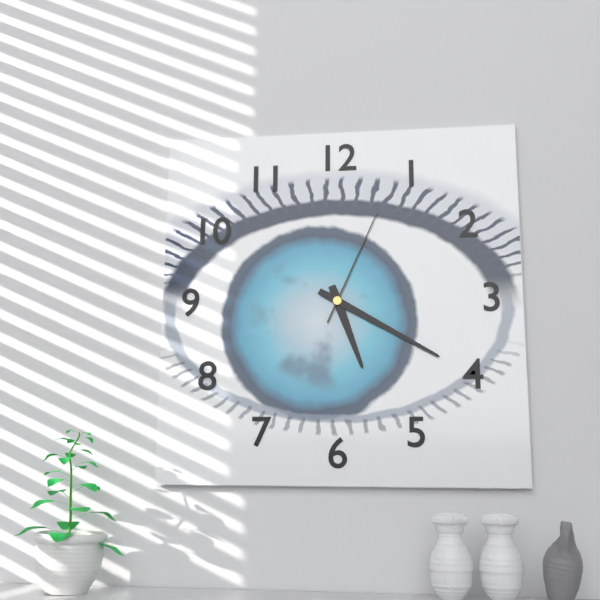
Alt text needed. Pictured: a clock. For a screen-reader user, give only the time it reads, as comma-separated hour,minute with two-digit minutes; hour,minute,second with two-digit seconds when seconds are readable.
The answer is 5,20,04
